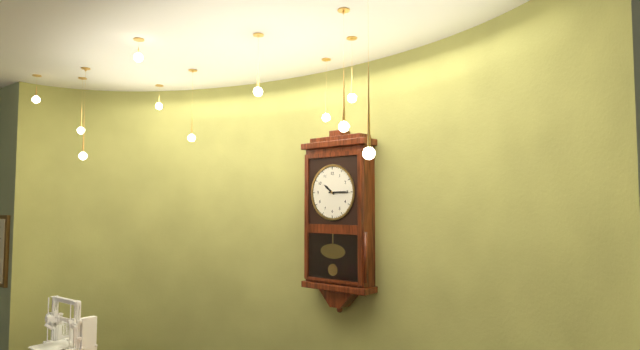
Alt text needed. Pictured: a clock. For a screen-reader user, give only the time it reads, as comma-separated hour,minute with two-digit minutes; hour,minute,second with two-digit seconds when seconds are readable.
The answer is 10,15
